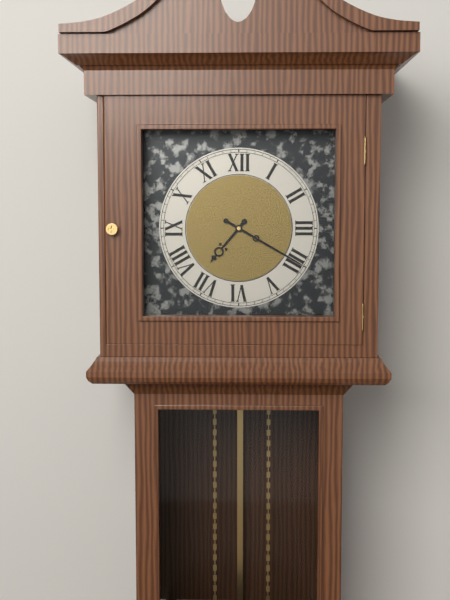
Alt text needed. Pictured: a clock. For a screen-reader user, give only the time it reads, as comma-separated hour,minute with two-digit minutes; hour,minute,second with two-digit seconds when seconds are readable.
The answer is 7,20
